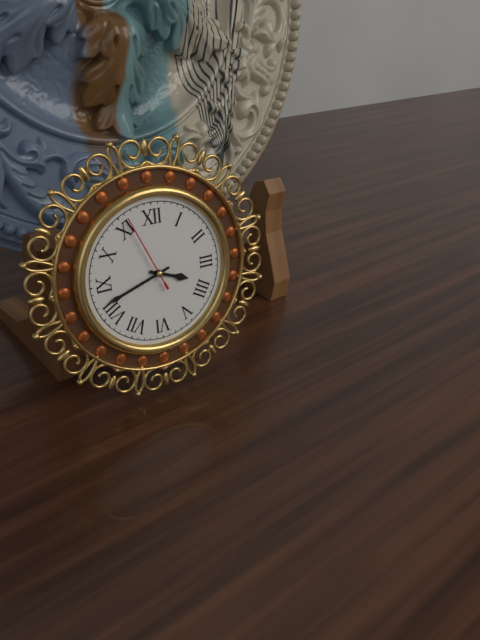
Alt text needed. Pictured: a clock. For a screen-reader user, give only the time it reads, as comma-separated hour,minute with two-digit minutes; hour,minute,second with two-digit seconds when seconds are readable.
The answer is 3,42,56
